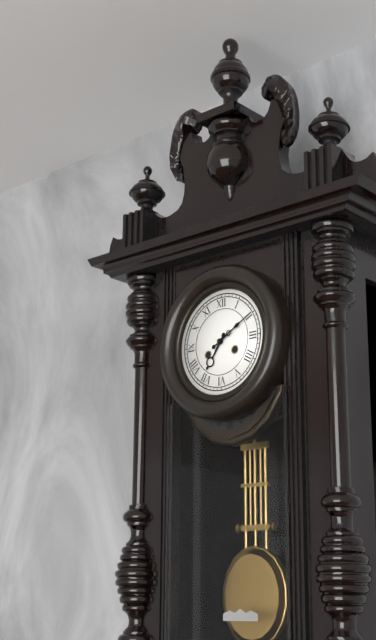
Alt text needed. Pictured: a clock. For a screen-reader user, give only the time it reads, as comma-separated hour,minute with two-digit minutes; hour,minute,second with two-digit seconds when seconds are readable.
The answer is 7,10
